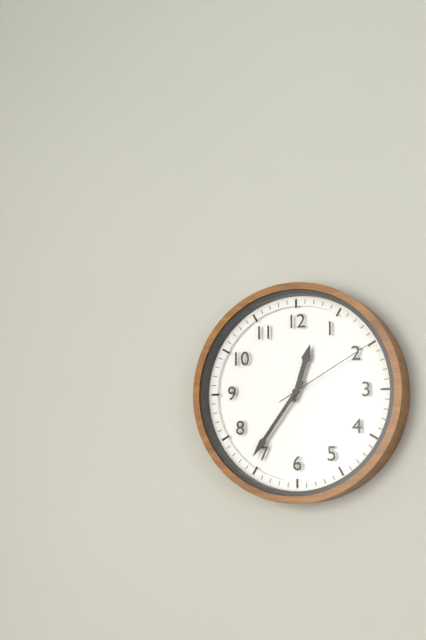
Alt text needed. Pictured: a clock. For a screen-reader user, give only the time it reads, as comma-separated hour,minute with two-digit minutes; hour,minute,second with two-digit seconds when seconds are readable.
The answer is 12,36,10
